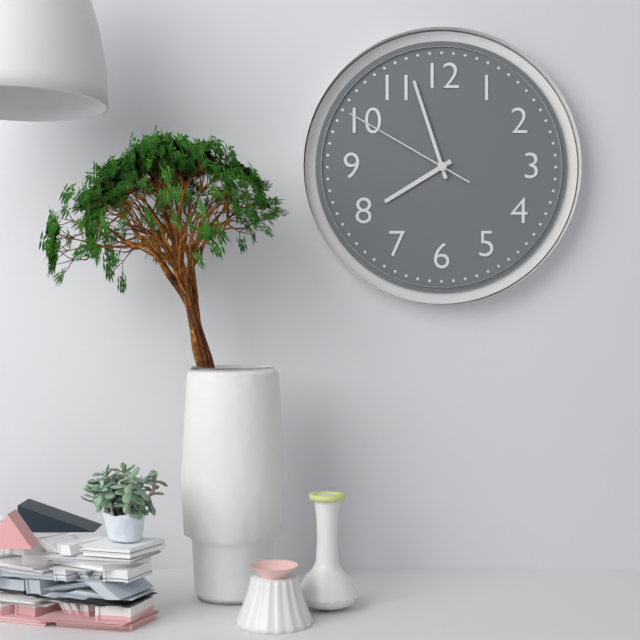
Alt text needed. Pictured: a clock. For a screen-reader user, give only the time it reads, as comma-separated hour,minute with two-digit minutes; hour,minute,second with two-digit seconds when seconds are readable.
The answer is 7,57,50
